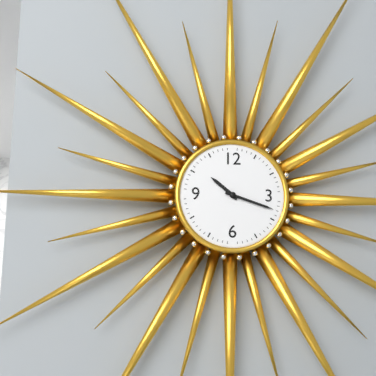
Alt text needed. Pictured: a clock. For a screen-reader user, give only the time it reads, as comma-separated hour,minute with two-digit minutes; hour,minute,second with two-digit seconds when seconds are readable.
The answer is 10,18
